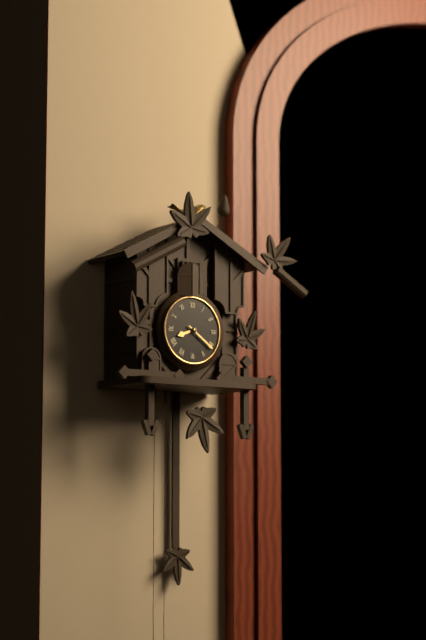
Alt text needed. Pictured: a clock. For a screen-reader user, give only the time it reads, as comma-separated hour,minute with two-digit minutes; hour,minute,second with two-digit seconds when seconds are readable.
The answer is 8,21
